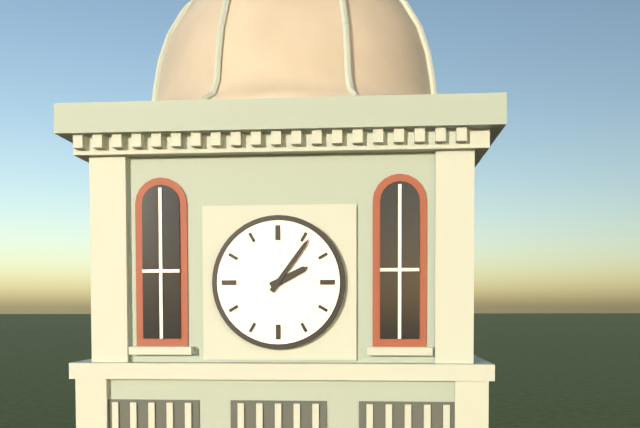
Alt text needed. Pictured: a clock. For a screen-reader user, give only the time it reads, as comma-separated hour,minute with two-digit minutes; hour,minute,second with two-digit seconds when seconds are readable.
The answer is 2,06
